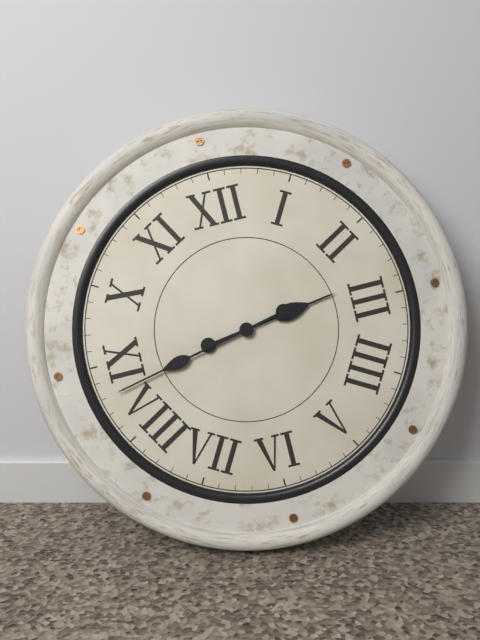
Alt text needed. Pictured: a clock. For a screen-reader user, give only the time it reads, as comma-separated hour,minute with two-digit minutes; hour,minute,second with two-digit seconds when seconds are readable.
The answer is 2,43
